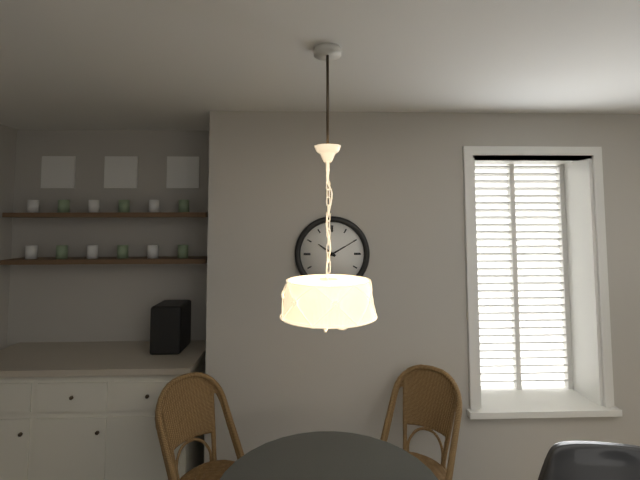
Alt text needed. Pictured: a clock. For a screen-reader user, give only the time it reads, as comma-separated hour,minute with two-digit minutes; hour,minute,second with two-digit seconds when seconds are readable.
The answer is 10,10
